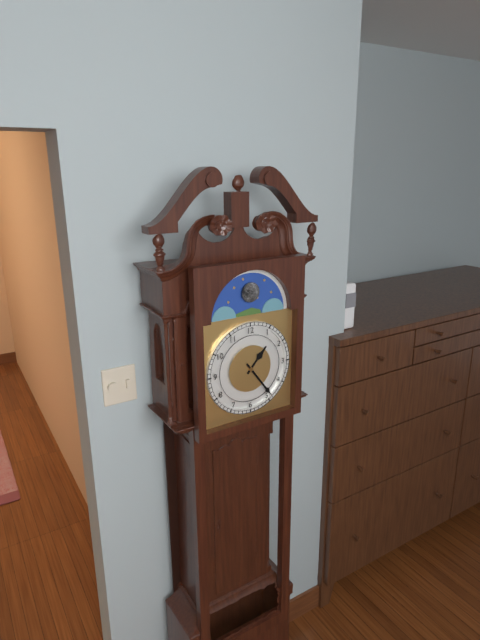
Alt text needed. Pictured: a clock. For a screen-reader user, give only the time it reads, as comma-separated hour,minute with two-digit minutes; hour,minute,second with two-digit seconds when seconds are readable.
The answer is 1,24
